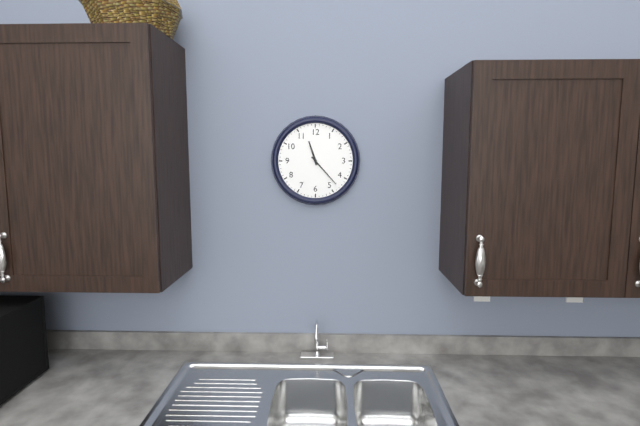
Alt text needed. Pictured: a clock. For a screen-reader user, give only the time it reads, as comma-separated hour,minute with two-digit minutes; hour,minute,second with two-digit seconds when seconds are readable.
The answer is 11,23
